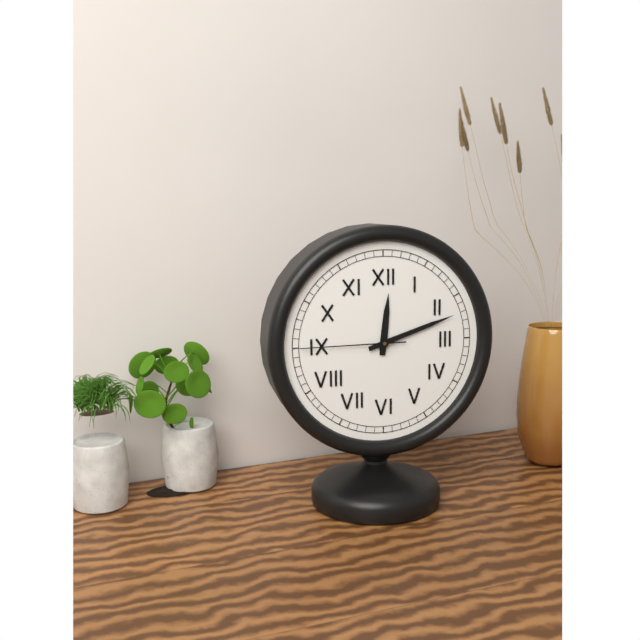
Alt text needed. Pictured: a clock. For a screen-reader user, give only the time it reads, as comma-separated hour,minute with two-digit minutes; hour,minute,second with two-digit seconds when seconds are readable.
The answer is 12,12,45
